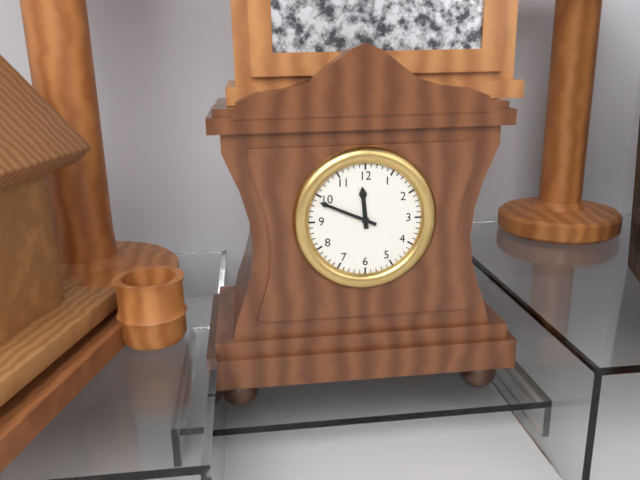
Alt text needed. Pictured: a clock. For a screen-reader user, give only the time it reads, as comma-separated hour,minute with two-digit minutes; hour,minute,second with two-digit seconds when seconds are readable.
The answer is 11,49
